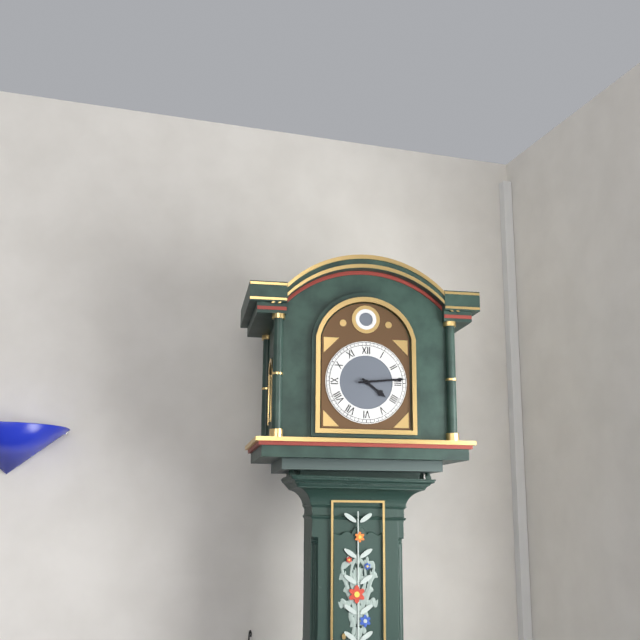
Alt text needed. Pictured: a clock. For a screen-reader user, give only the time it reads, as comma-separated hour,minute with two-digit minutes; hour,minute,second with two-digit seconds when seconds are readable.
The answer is 4,14
